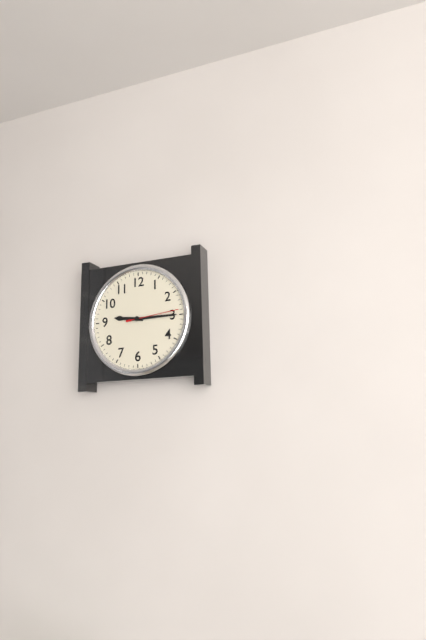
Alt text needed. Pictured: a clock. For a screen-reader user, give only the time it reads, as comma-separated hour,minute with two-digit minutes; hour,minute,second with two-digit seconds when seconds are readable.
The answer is 9,15,14
